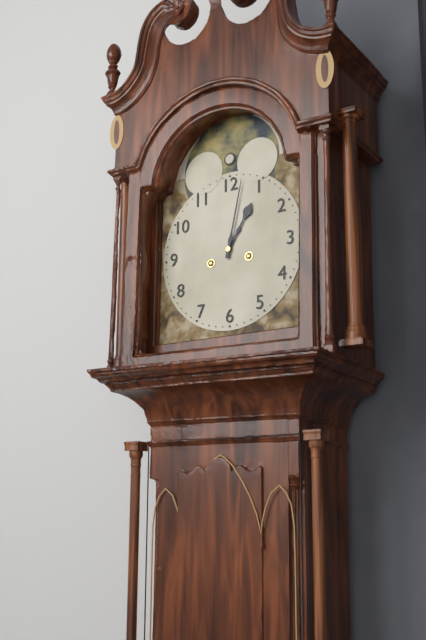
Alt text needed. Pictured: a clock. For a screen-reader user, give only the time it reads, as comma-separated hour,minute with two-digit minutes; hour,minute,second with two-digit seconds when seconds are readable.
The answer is 1,02
